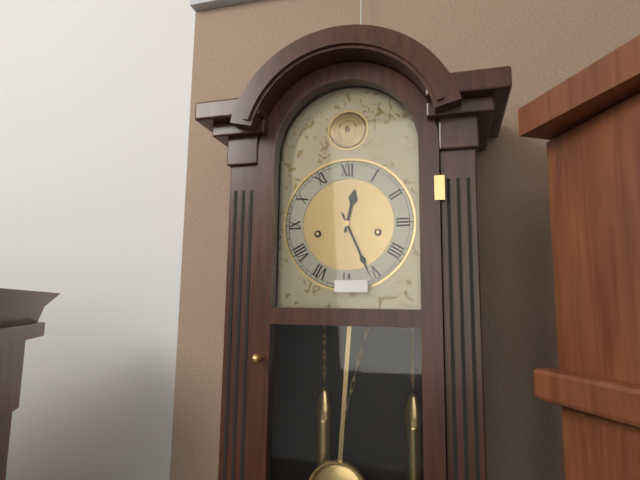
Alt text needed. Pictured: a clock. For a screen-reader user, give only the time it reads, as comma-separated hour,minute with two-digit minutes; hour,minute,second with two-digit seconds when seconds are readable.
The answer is 12,26
